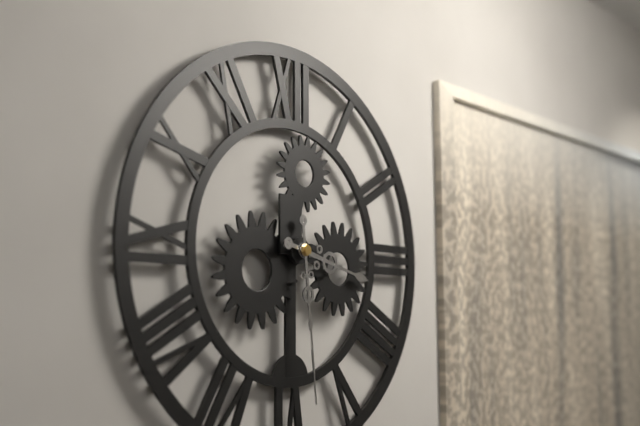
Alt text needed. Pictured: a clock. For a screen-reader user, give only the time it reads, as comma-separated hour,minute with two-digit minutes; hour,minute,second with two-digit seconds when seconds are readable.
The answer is 3,29
